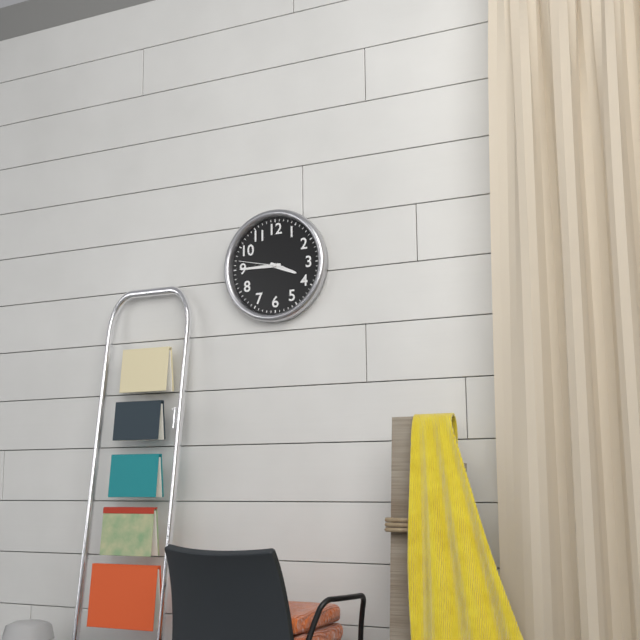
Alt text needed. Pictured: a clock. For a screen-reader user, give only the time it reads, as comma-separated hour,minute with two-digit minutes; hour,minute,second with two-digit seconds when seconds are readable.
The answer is 3,45
